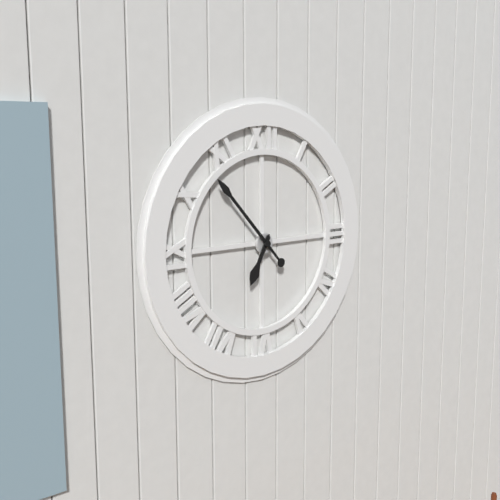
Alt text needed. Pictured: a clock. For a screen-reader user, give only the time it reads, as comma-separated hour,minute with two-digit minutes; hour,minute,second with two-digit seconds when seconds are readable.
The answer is 6,53
